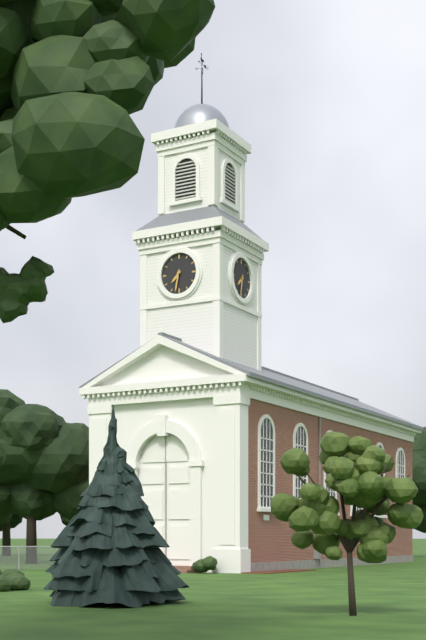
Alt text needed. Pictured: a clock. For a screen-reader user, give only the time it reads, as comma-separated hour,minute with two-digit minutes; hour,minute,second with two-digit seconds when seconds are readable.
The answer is 7,32
